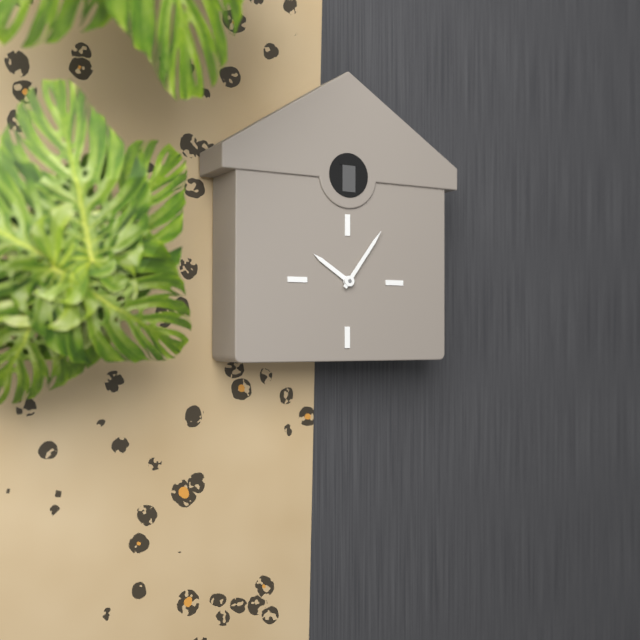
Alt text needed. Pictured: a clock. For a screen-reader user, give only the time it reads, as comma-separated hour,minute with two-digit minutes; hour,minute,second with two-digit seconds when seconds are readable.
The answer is 10,06
